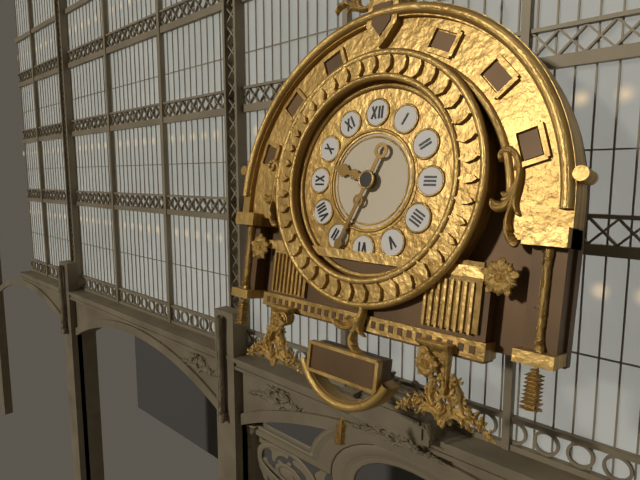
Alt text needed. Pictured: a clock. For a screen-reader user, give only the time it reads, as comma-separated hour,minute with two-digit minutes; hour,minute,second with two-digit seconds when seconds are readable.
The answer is 9,34
